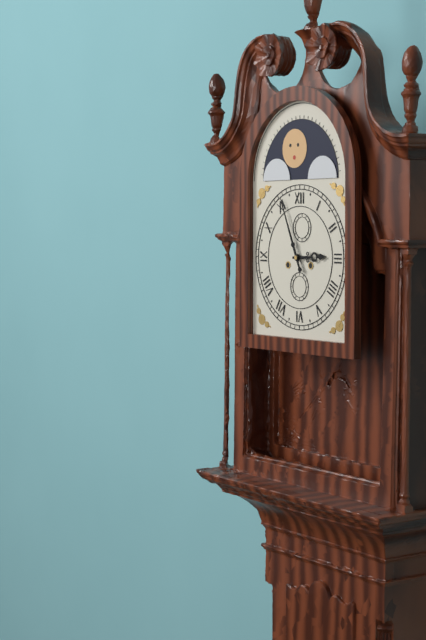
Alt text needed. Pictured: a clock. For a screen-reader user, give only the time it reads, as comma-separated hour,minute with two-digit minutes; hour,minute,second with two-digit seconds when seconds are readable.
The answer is 2,56
